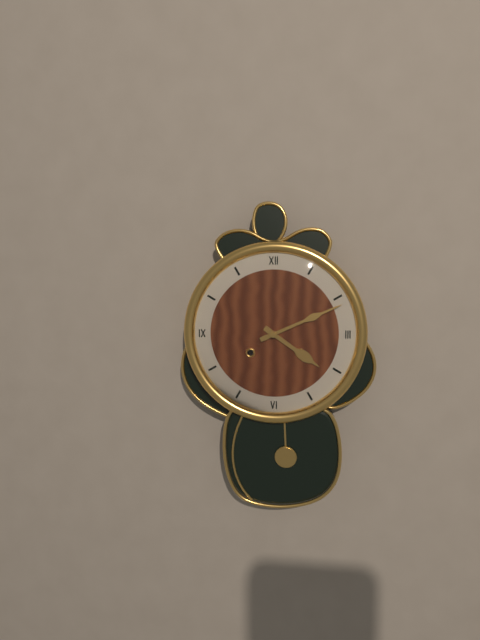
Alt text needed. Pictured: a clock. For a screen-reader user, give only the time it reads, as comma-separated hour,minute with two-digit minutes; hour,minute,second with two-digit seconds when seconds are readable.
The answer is 4,11
